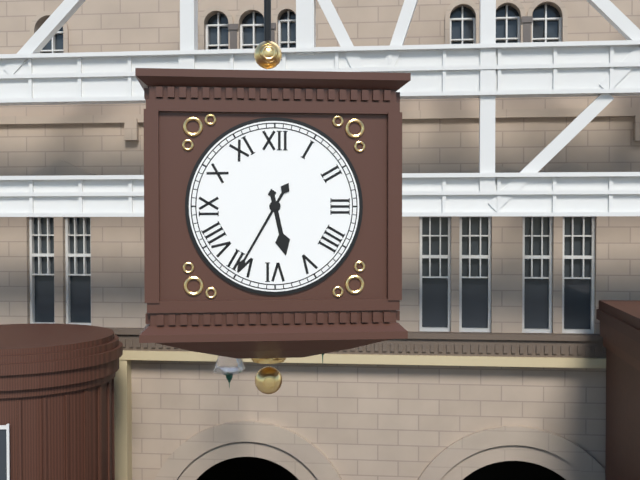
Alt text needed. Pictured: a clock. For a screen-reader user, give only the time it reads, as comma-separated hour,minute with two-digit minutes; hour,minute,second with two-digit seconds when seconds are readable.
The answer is 5,35
